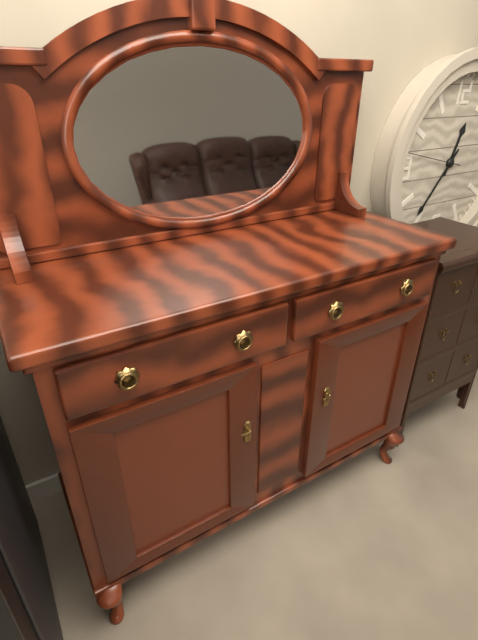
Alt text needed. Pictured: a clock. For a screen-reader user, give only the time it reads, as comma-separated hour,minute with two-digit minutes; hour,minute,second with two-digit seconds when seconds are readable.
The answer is 12,36,47
